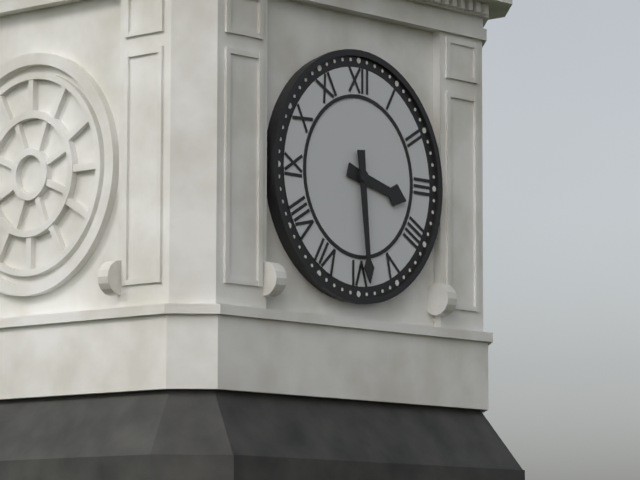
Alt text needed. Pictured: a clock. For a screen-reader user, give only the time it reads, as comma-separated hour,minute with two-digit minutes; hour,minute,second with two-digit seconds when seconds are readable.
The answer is 3,29
